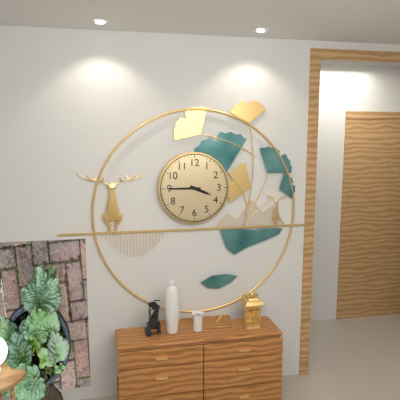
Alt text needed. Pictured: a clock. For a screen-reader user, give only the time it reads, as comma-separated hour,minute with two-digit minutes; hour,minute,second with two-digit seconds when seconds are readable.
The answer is 3,45
